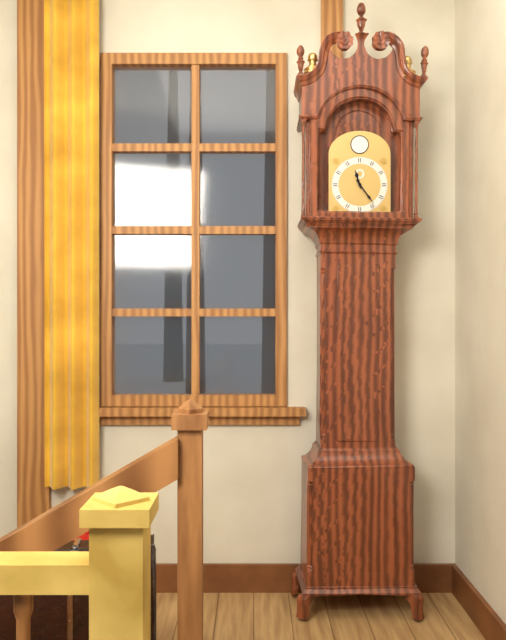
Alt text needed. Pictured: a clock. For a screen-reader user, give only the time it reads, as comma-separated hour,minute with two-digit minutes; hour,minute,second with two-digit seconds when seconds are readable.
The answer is 11,24
